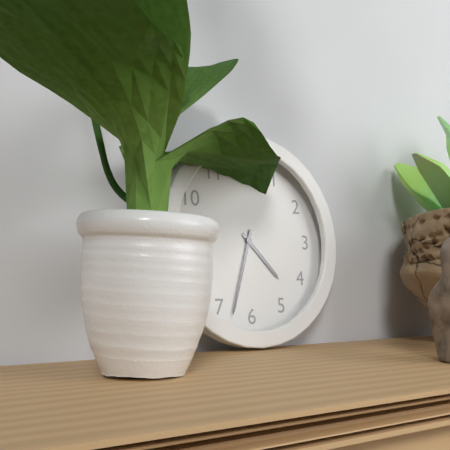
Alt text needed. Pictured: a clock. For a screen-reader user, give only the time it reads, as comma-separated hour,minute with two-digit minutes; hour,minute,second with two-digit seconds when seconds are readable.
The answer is 4,33
